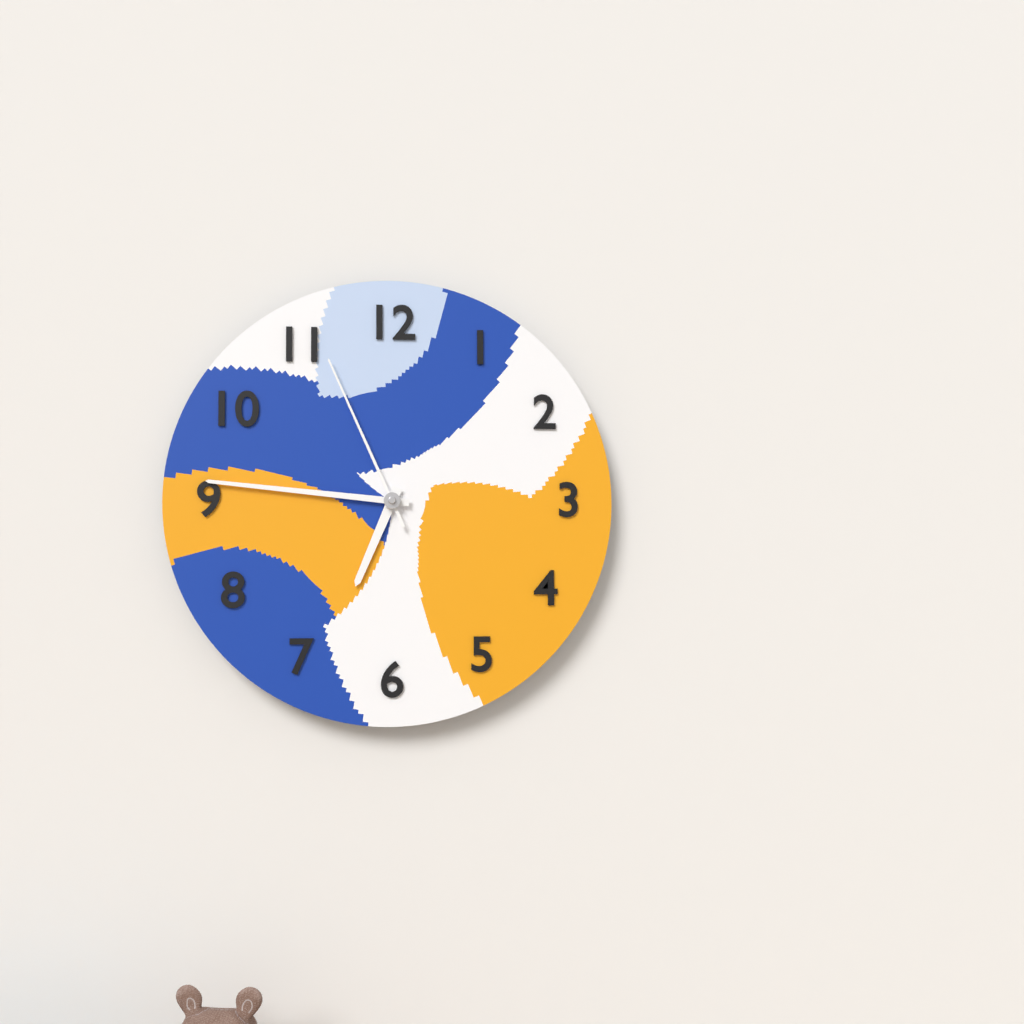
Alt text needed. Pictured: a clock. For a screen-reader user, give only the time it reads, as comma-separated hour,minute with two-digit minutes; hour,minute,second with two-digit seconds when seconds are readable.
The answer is 6,46,56
